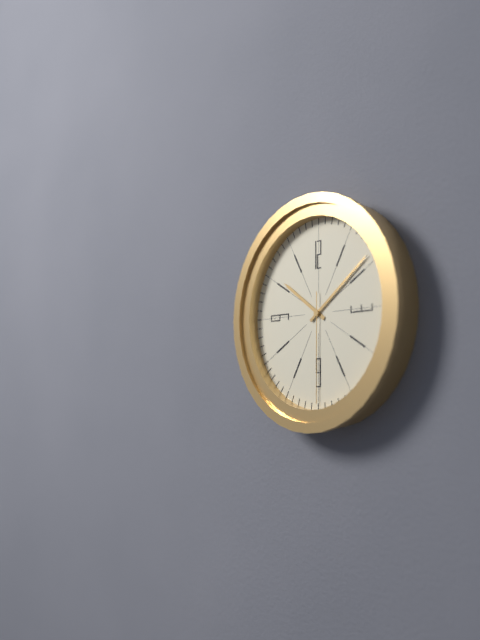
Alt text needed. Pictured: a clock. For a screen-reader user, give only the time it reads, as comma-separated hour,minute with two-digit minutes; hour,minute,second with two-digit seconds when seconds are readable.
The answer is 10,09,30
